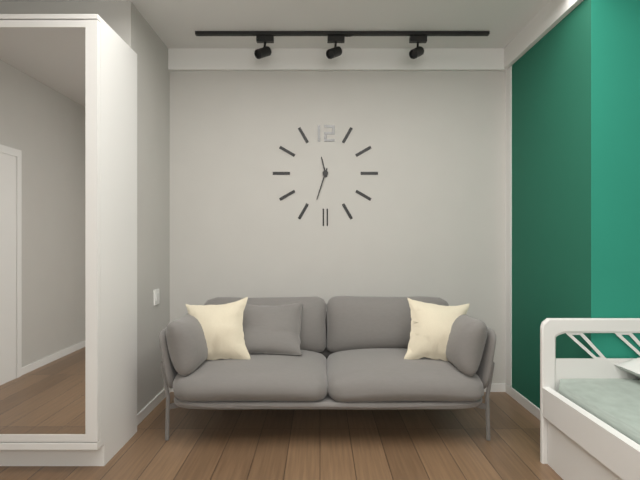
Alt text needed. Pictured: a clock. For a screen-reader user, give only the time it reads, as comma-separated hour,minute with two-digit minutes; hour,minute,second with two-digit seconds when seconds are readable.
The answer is 11,33
